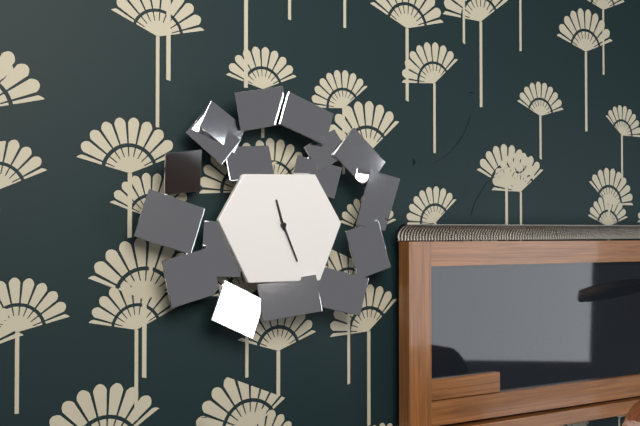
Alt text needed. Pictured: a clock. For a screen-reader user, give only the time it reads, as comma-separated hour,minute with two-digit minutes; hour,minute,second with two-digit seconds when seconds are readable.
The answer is 11,26
